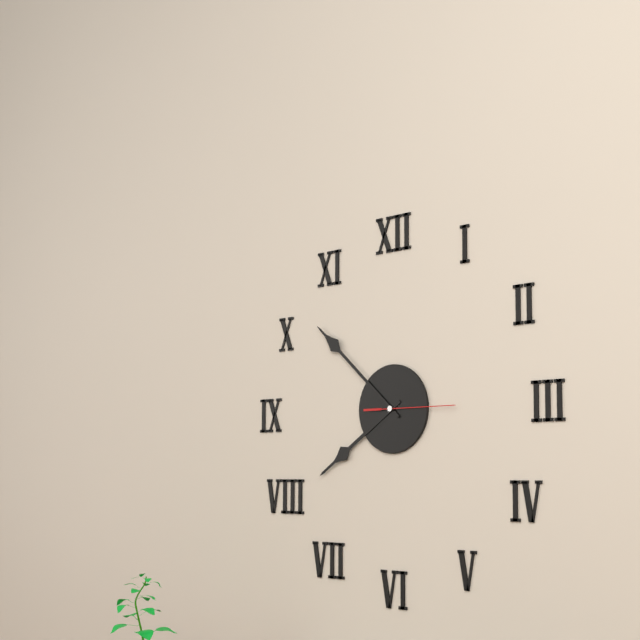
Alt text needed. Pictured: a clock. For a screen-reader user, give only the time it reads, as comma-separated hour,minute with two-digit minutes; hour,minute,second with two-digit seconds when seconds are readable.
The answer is 7,52,15
